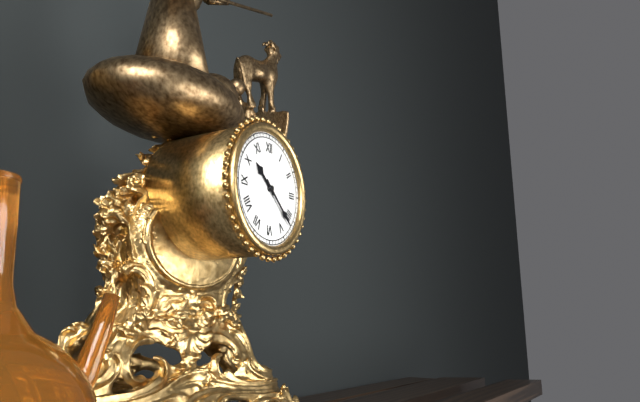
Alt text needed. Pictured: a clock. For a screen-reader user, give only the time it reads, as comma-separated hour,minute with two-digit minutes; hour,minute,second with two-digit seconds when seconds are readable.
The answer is 10,22
